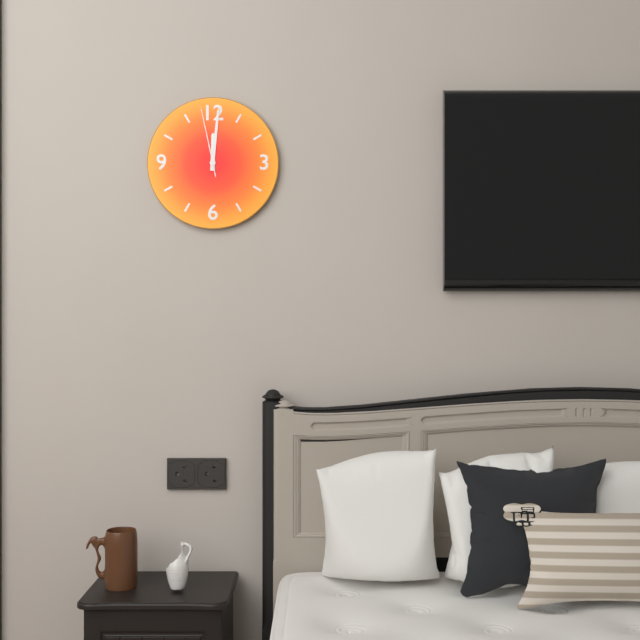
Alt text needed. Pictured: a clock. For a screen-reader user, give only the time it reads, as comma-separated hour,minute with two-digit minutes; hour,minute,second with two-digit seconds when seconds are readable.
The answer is 12,01,58
